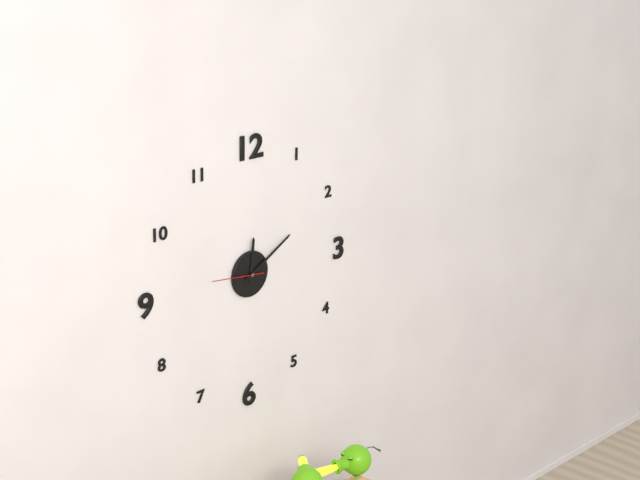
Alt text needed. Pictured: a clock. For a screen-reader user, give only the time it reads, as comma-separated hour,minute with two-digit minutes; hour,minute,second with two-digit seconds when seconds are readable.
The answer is 12,10,46
